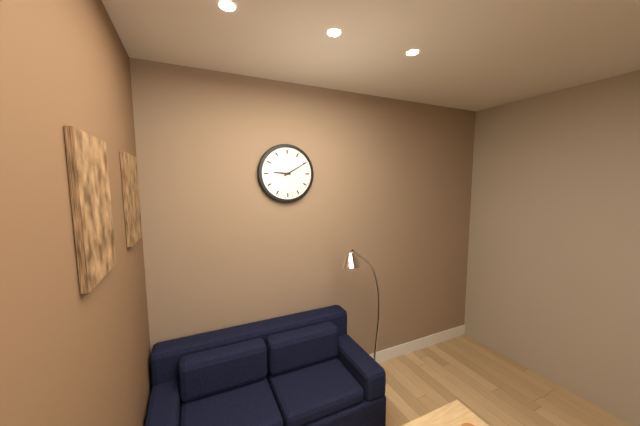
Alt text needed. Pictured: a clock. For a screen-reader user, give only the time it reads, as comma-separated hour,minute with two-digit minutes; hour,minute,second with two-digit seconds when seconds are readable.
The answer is 9,10
